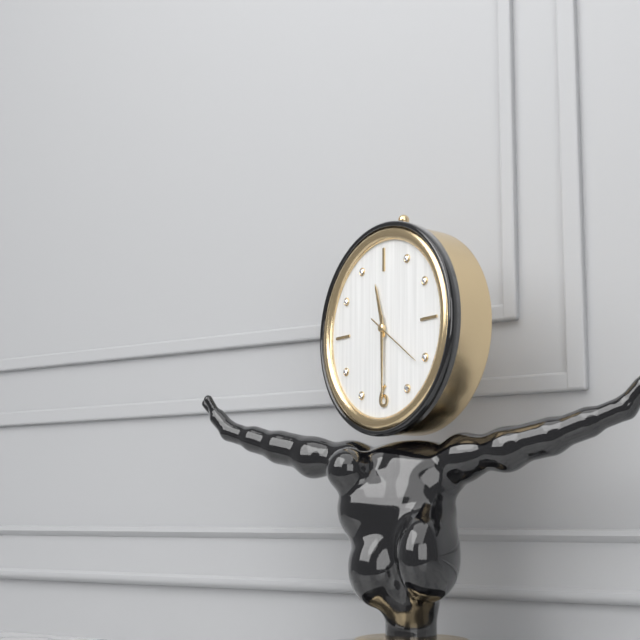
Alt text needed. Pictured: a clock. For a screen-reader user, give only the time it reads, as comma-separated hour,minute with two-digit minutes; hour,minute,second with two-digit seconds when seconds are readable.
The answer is 11,30,21
